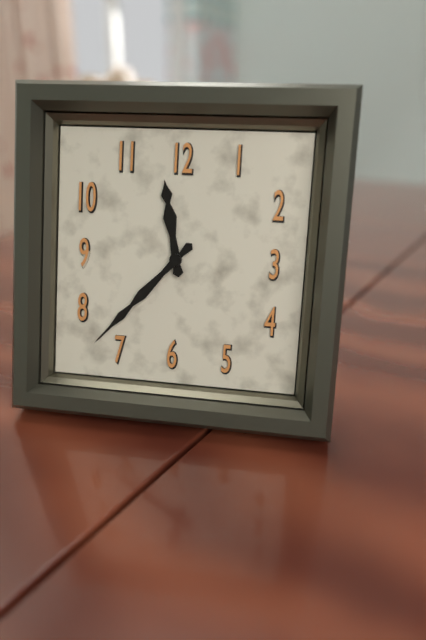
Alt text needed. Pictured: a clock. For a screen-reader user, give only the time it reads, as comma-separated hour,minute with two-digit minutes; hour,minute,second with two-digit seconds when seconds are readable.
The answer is 11,37
